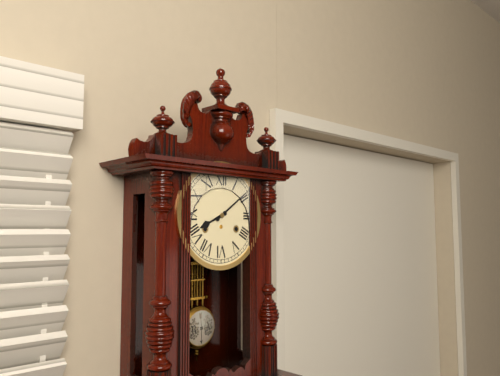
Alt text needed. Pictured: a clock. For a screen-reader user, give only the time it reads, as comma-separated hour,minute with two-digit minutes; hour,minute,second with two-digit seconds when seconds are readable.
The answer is 8,09
